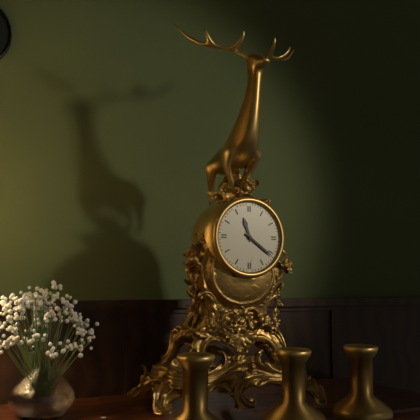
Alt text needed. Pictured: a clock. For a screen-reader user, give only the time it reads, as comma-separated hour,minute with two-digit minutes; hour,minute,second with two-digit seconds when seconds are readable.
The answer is 11,21
